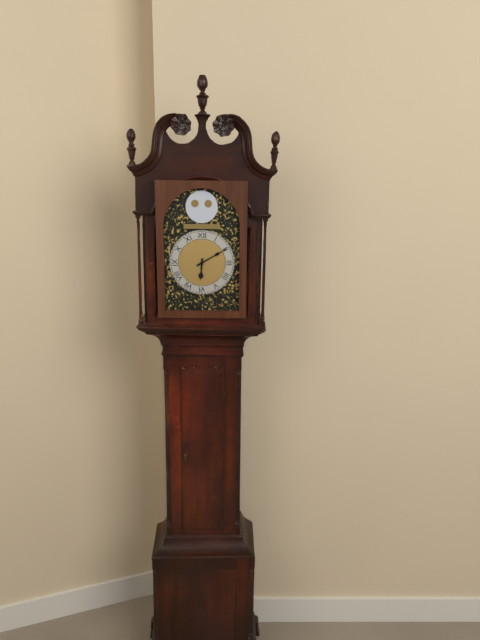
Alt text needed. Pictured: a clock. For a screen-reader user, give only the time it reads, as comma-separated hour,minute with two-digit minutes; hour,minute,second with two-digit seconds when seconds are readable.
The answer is 6,10
